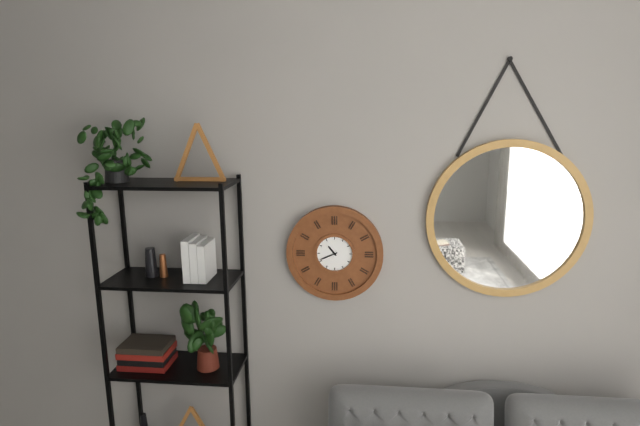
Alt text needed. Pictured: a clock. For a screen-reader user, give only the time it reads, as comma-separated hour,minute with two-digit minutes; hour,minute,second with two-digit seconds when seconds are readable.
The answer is 10,41
